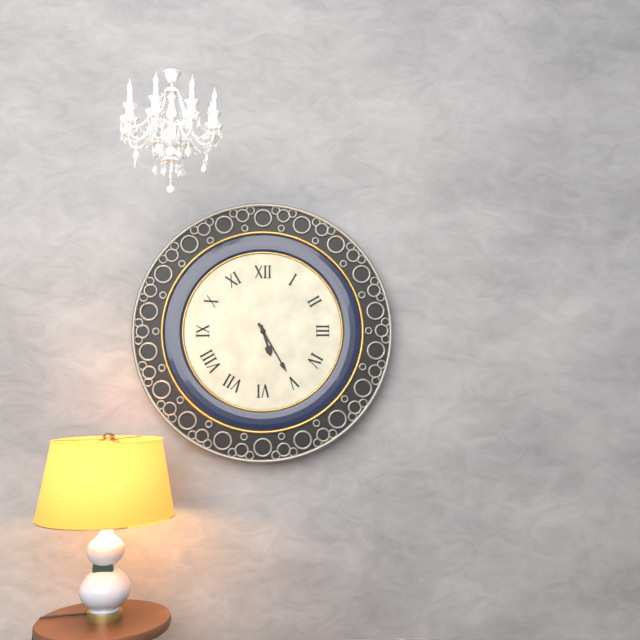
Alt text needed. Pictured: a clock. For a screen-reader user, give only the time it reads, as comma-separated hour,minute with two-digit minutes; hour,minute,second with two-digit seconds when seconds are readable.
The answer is 5,25
